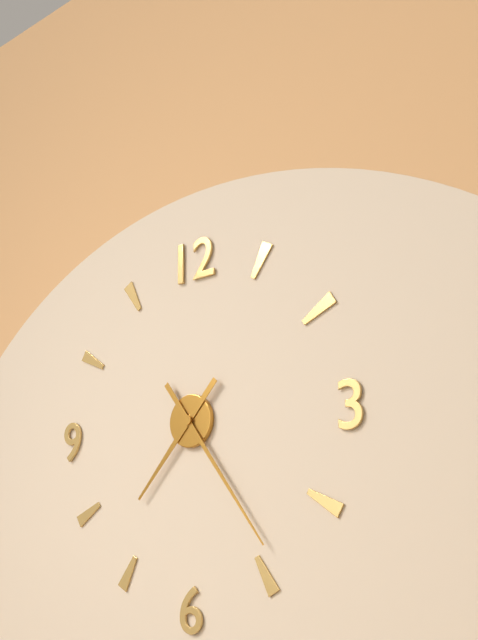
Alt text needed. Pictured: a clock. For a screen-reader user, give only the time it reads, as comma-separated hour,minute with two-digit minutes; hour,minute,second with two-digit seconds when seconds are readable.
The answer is 7,24
